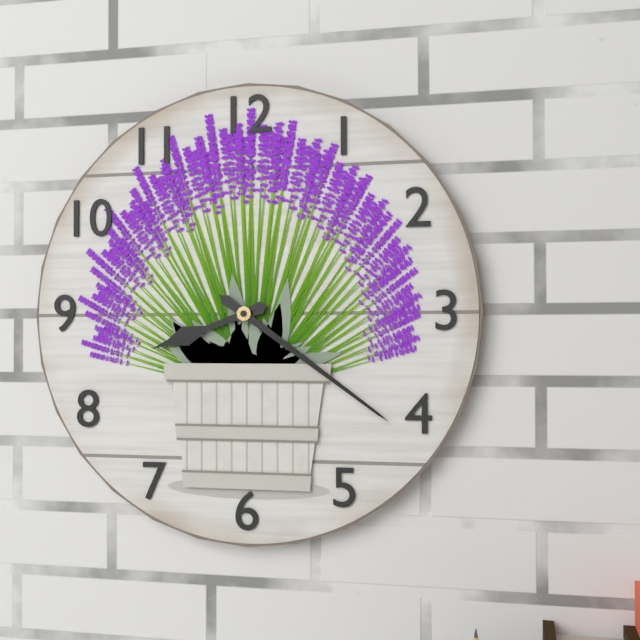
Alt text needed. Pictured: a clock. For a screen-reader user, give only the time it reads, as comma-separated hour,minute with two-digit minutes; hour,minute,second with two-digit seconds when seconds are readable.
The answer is 8,21
